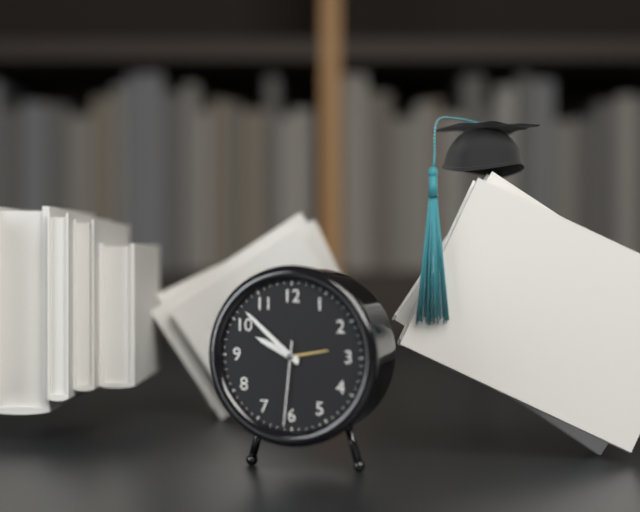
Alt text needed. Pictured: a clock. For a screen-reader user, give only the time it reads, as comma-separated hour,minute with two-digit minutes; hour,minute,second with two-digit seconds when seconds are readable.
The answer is 9,52,31
